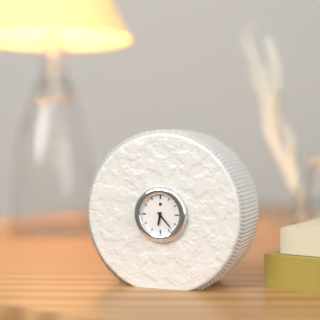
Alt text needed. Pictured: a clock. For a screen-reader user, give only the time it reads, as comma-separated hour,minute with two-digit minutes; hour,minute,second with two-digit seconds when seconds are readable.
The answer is 6,23
